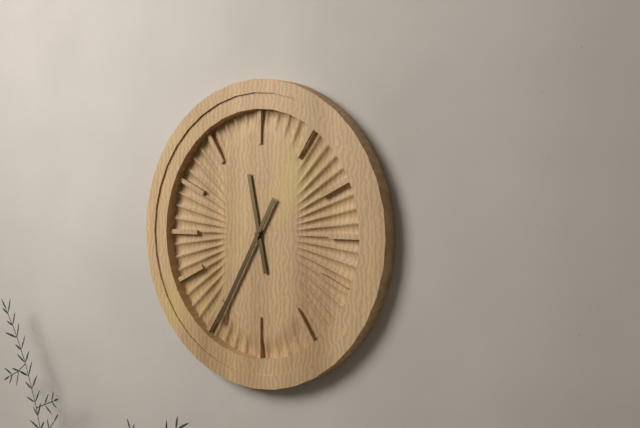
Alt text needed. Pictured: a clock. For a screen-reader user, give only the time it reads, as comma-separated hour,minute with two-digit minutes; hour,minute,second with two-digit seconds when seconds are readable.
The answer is 11,35
